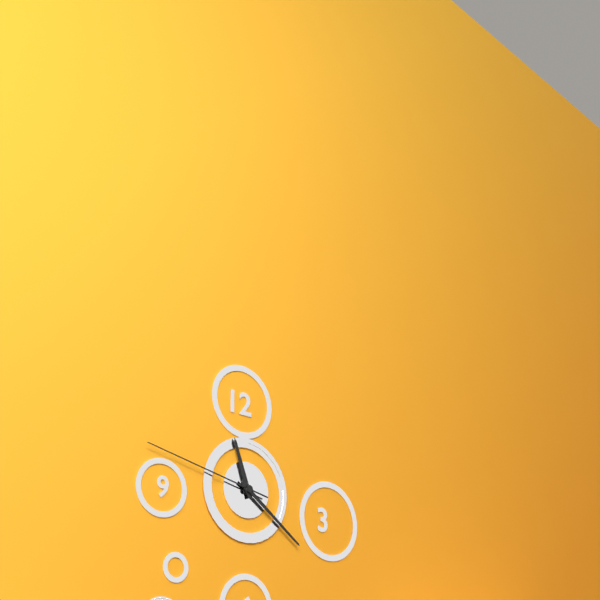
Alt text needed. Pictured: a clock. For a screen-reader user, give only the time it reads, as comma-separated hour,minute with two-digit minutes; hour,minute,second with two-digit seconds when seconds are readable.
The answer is 11,21,47
